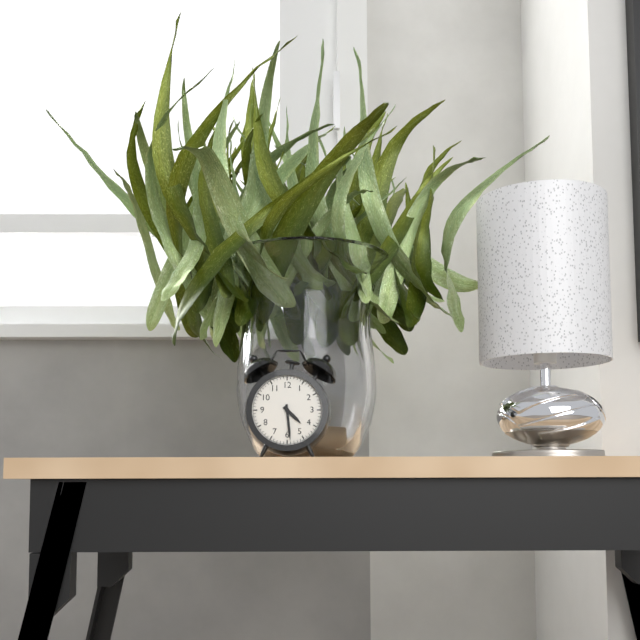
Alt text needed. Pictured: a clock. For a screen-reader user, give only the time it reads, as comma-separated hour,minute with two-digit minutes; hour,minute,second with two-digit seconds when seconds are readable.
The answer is 4,29
